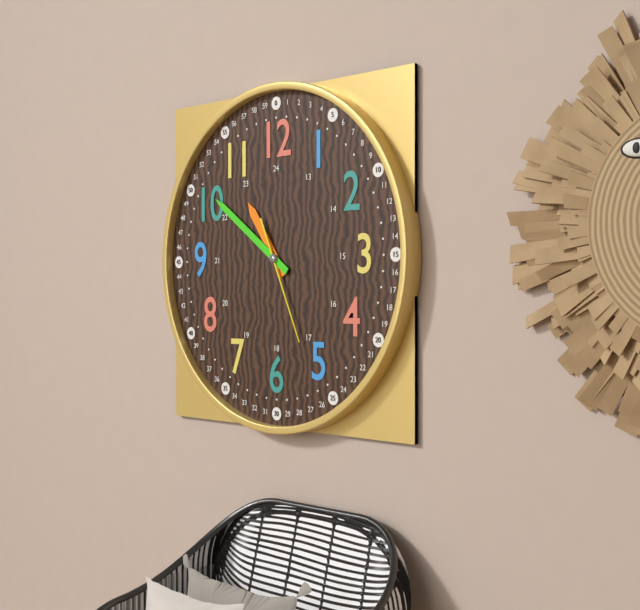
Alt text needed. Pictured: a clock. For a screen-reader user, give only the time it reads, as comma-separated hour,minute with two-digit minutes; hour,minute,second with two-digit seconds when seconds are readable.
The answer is 10,51,26
